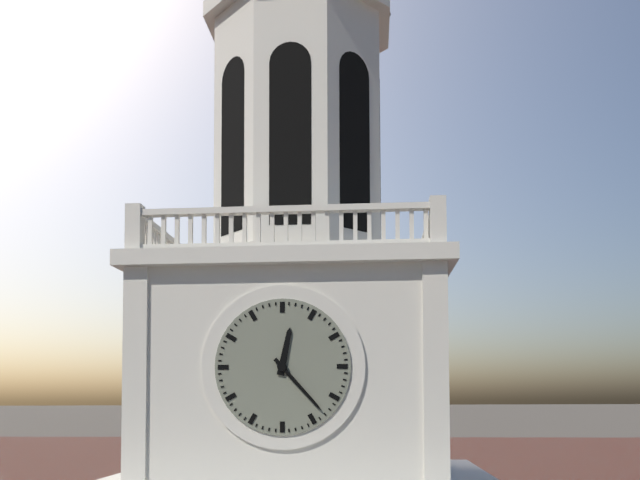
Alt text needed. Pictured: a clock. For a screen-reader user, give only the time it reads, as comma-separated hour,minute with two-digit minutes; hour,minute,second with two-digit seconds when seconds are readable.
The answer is 12,23
